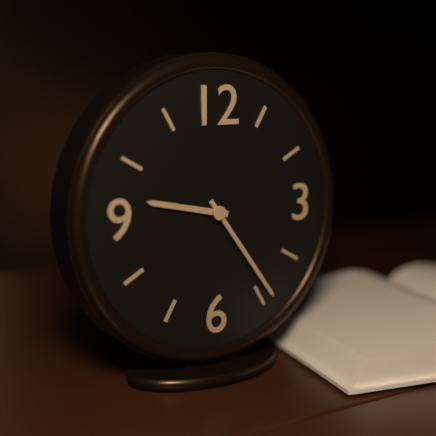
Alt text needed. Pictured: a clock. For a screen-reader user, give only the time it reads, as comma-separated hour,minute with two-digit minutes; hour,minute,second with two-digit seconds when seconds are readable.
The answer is 9,24
